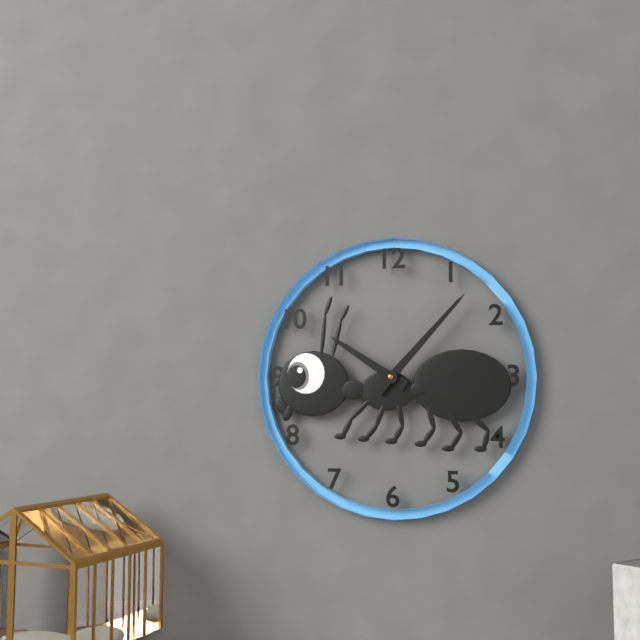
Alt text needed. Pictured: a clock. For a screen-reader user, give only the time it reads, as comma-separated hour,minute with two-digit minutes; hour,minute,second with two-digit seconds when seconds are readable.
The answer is 10,07
